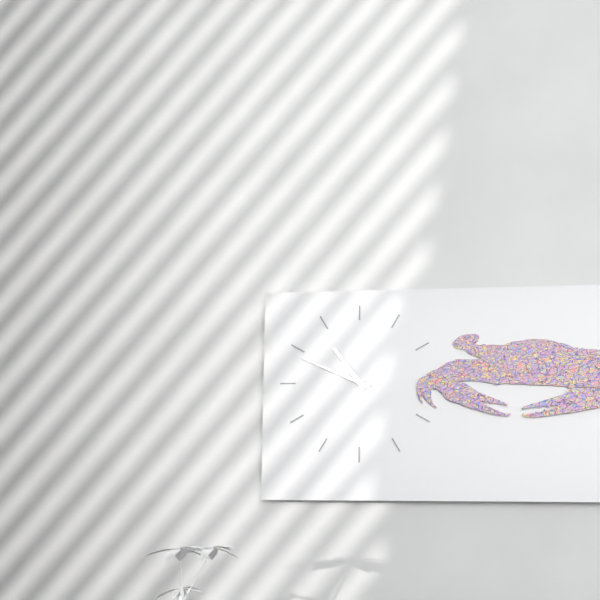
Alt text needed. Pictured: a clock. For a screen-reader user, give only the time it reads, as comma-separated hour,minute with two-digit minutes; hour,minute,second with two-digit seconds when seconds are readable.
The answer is 10,49
